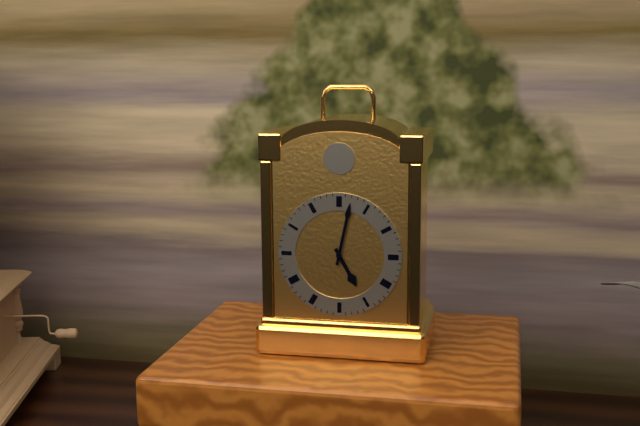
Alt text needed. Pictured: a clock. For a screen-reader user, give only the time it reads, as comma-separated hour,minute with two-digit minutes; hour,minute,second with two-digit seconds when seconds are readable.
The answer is 5,02
